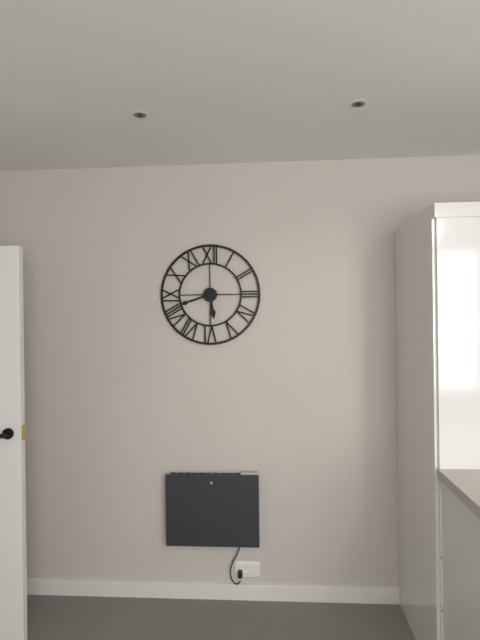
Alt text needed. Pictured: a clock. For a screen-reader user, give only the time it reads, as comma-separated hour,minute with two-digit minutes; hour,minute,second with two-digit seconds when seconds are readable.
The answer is 5,42
